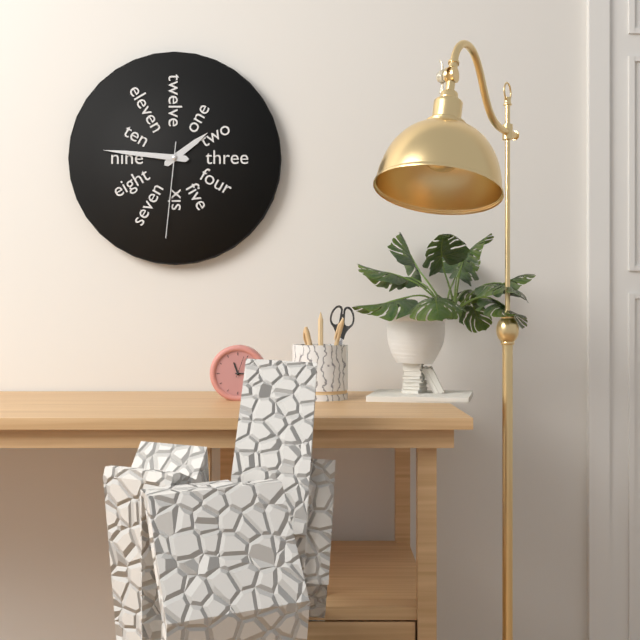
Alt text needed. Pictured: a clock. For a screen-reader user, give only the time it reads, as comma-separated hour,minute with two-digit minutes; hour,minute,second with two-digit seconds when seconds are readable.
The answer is 1,46,31
